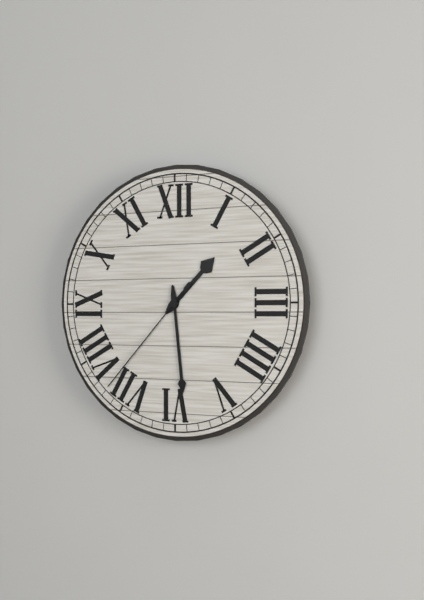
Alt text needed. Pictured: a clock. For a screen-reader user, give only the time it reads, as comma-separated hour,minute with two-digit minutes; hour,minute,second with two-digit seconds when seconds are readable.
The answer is 1,29,37
